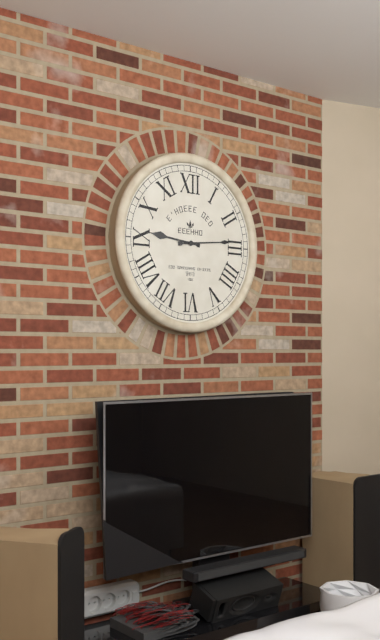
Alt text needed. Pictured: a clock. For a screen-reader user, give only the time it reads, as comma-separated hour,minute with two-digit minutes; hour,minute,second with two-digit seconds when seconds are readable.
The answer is 9,14
